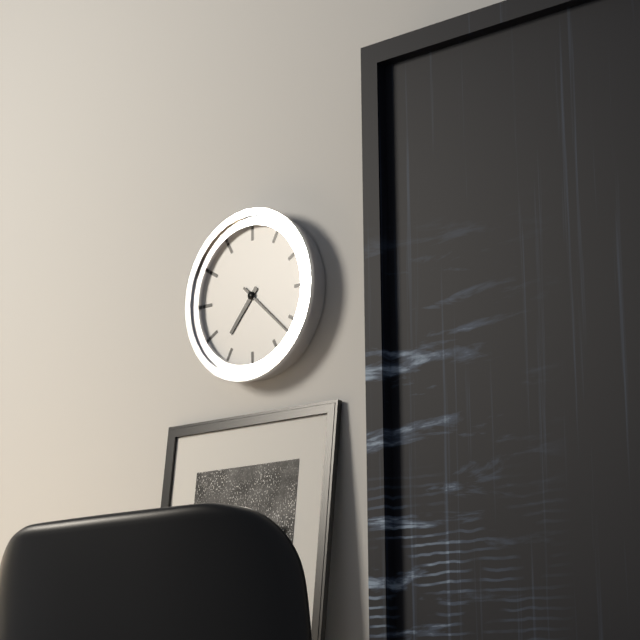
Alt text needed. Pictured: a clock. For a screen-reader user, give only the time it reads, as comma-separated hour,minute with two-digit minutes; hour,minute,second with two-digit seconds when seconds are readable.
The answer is 7,22
